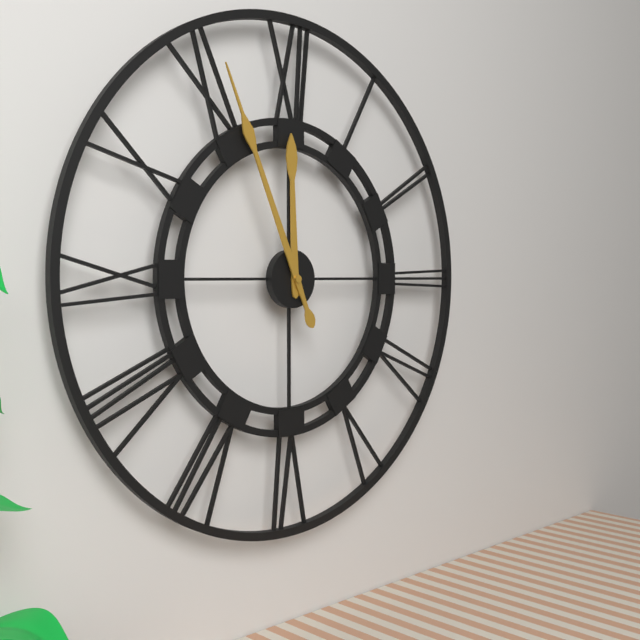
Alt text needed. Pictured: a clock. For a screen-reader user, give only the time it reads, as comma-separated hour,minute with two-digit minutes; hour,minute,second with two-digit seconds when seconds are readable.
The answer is 11,56
